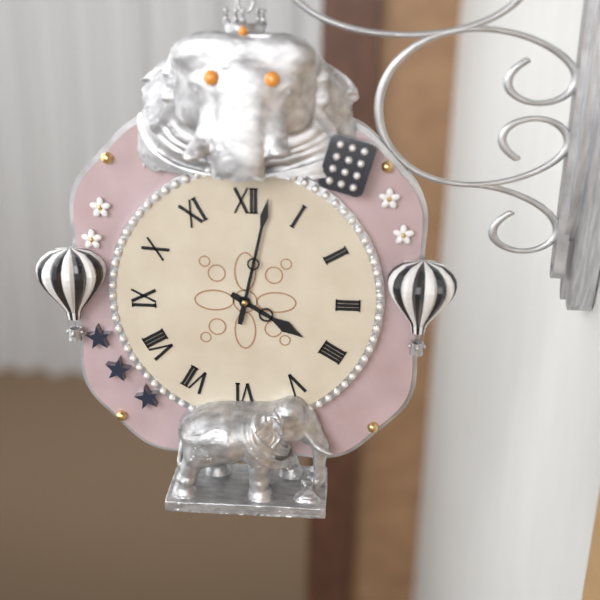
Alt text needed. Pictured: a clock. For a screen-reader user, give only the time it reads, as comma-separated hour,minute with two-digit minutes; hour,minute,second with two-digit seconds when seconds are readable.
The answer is 4,02
